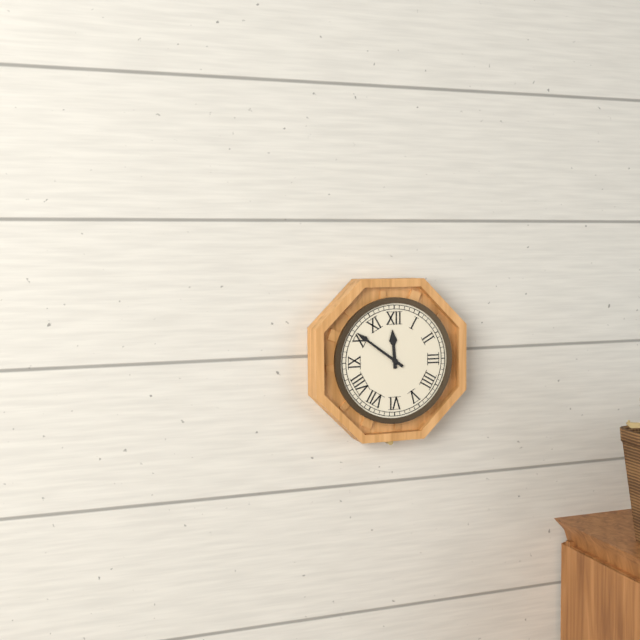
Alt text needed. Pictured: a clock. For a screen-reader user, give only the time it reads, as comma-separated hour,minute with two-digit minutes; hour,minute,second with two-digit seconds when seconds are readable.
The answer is 11,51
